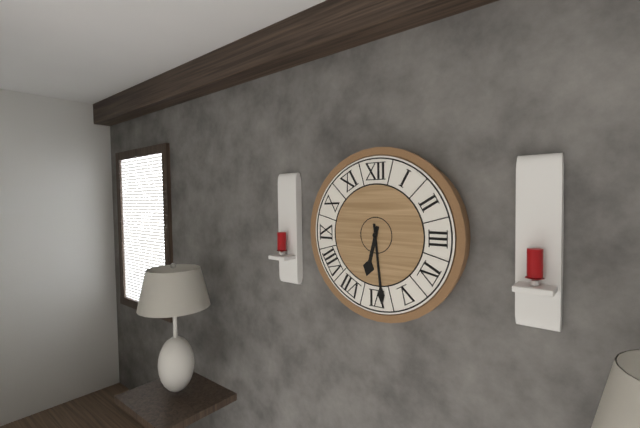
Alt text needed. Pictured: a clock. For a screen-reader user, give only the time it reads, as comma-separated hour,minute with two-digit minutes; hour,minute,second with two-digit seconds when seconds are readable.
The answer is 6,29
